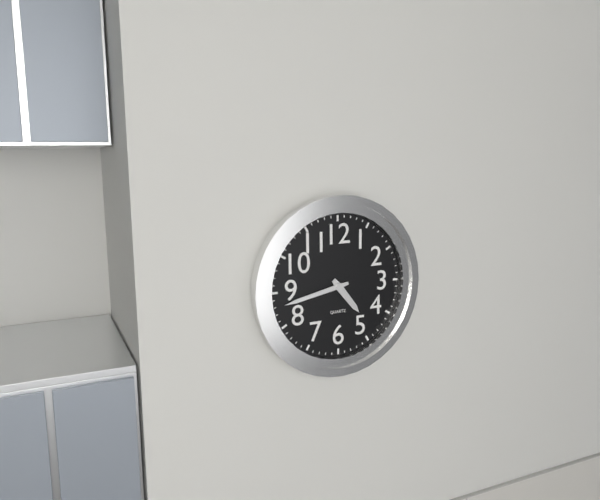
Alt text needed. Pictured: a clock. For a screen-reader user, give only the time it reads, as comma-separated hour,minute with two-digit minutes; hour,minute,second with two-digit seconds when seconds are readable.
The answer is 4,43
